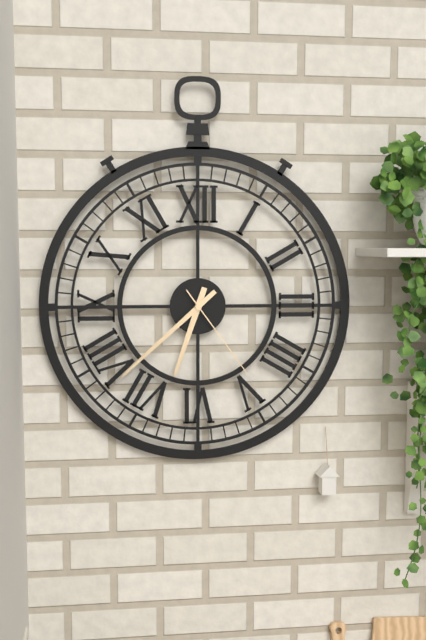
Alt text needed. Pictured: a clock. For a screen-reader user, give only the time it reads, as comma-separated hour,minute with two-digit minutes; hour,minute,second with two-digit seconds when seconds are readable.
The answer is 6,38,24
